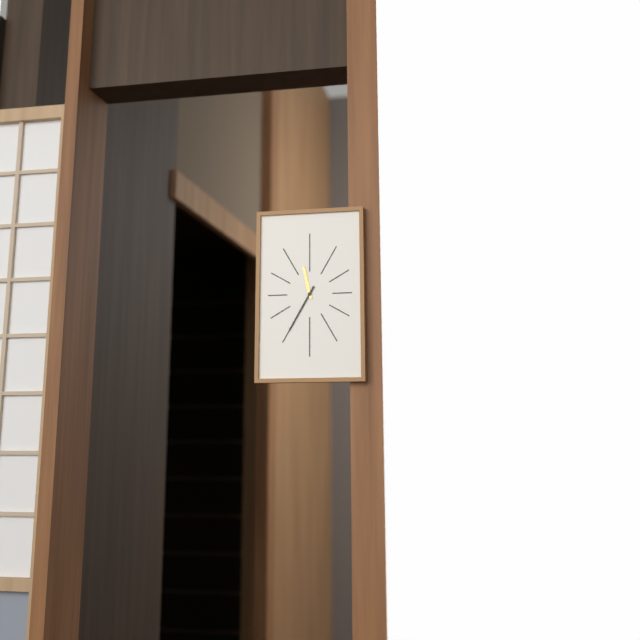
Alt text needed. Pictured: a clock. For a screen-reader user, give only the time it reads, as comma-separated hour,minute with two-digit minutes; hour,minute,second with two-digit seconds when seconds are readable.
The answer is 11,35
